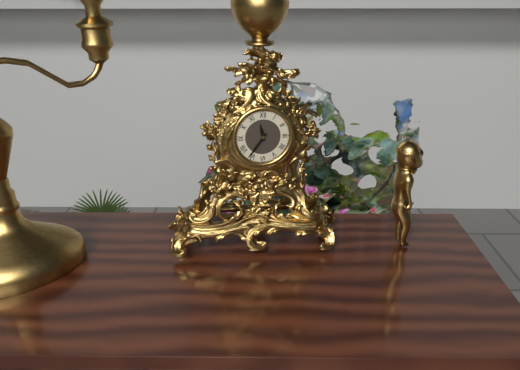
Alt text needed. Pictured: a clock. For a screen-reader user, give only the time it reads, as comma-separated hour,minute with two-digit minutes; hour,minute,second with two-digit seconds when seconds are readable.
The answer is 11,36
